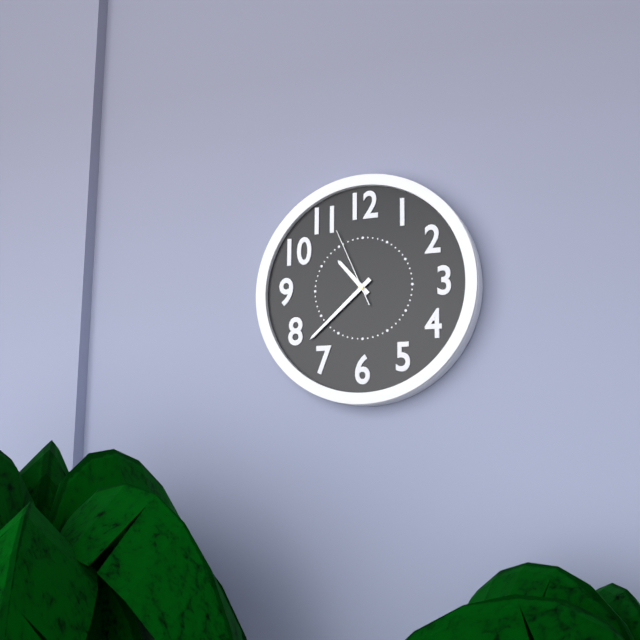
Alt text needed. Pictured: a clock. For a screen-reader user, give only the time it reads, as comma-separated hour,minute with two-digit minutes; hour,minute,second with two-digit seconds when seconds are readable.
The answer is 10,38,56
